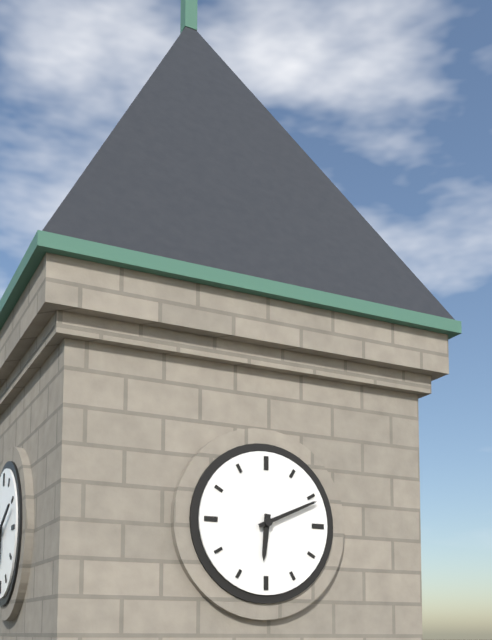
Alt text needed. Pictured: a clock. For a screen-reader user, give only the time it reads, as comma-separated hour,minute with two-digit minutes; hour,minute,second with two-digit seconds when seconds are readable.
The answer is 6,11
